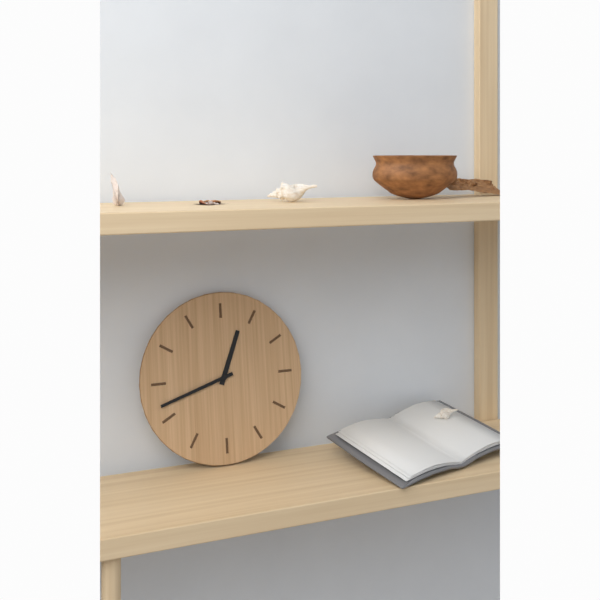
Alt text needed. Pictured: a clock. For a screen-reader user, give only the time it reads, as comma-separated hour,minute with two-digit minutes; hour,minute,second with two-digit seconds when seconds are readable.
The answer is 12,42
